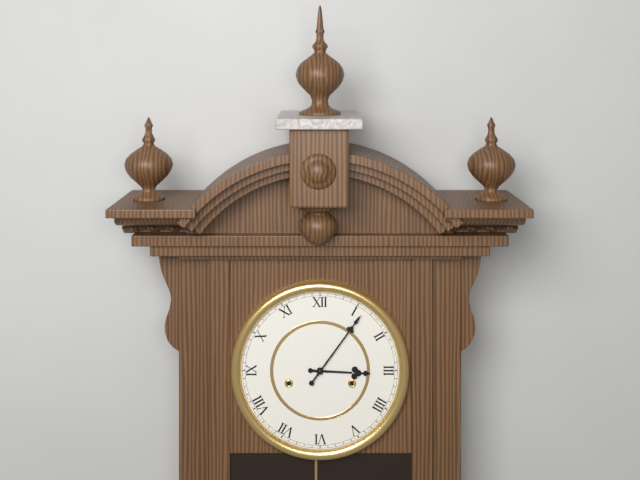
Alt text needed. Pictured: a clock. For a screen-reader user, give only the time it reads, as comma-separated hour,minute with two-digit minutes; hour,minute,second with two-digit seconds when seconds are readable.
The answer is 3,06
